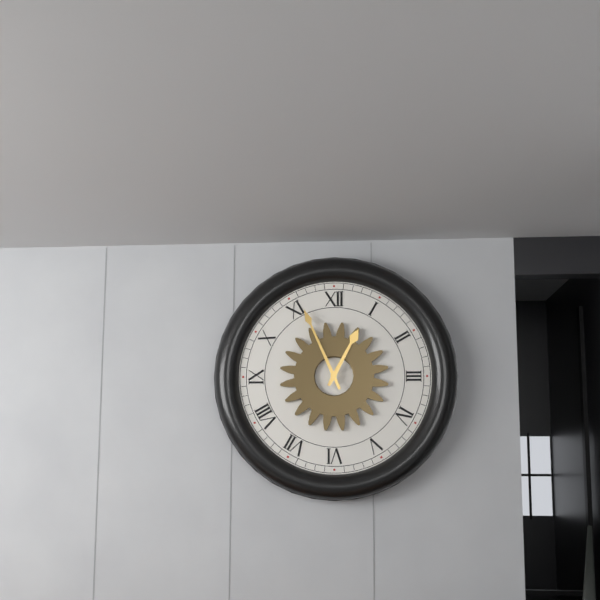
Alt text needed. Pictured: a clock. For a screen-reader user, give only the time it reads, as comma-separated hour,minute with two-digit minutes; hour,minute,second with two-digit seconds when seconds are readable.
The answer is 12,56
